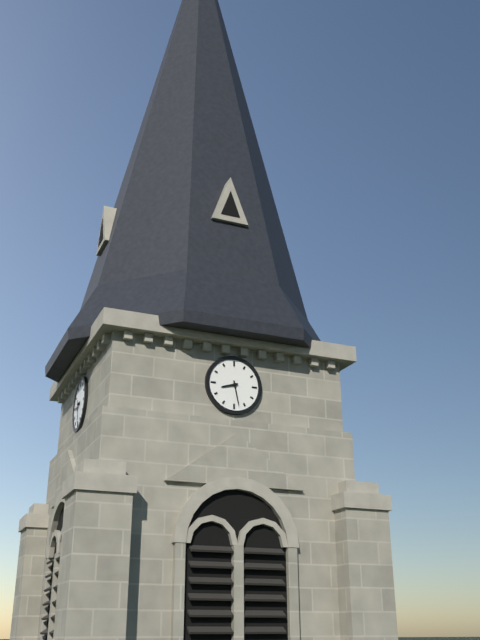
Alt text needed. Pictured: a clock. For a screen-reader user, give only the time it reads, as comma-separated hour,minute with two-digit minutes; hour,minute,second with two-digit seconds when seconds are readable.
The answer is 8,28
